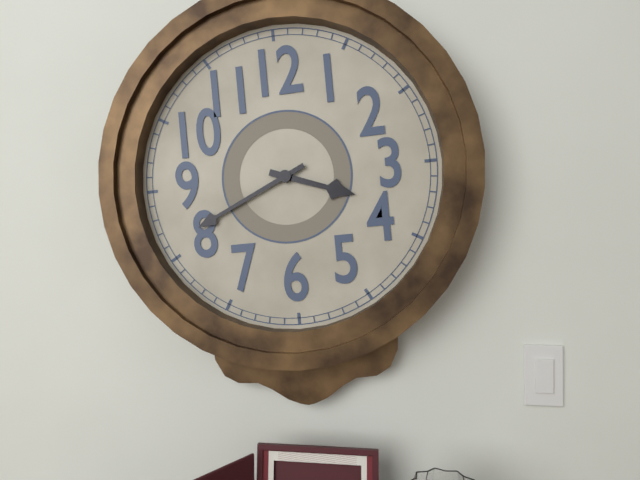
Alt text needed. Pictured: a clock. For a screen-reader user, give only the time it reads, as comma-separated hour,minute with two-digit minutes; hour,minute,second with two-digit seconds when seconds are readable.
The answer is 3,41
